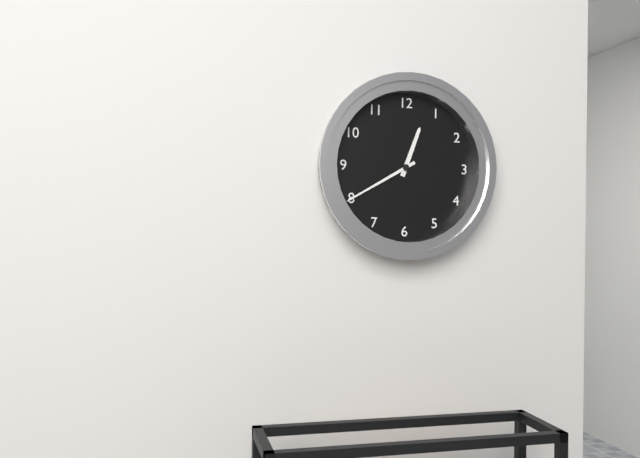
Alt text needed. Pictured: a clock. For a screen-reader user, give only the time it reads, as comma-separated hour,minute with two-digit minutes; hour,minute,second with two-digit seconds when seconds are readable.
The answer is 12,40
